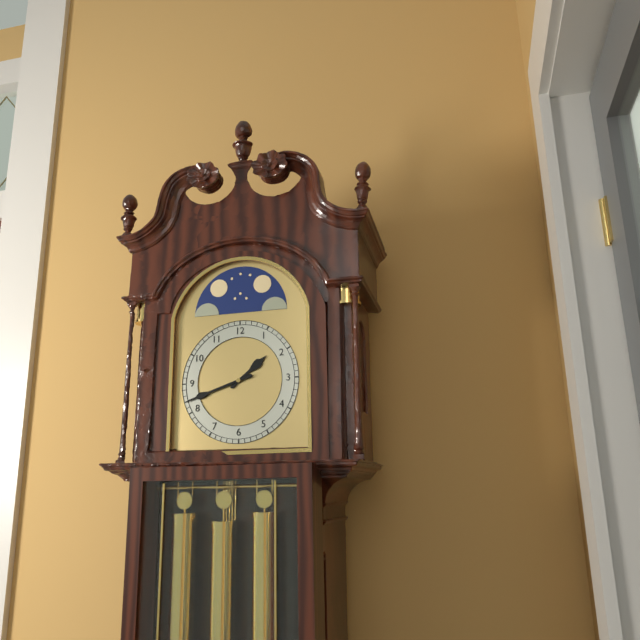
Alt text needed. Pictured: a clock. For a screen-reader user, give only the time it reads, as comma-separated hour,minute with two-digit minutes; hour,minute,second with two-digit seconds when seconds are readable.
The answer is 1,42
